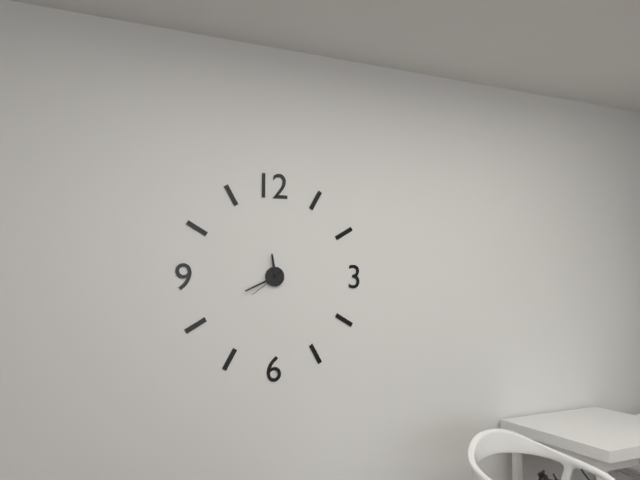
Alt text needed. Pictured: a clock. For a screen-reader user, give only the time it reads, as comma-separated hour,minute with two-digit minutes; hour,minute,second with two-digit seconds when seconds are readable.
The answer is 11,41
